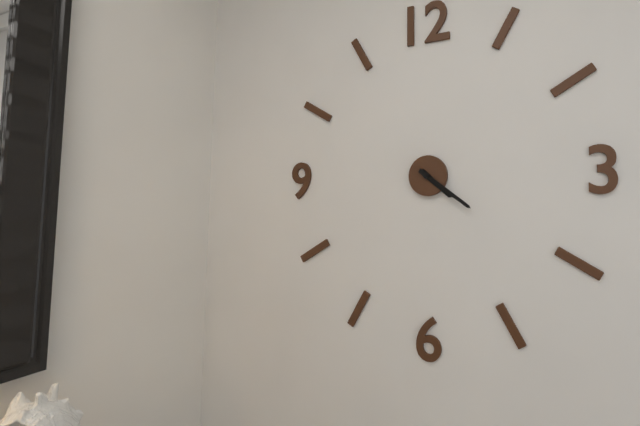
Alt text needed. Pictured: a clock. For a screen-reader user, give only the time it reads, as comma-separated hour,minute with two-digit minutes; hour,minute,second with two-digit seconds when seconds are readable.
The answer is 4,21
